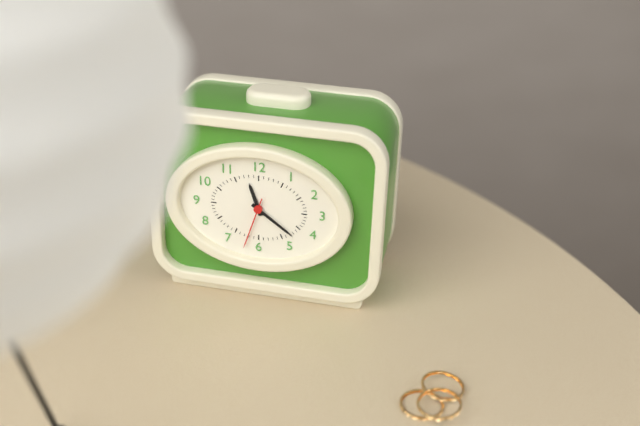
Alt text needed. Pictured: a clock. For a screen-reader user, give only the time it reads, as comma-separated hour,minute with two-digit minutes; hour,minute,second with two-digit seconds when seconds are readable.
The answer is 11,21,33
